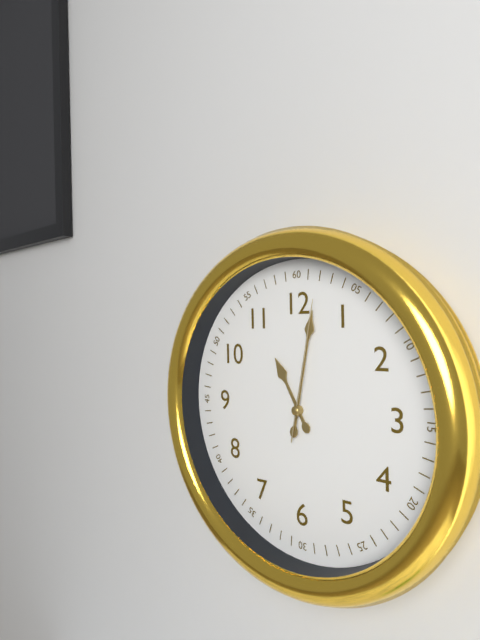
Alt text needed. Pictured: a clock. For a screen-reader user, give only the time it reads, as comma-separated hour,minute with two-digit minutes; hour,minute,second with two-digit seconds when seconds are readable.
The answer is 11,02,02
